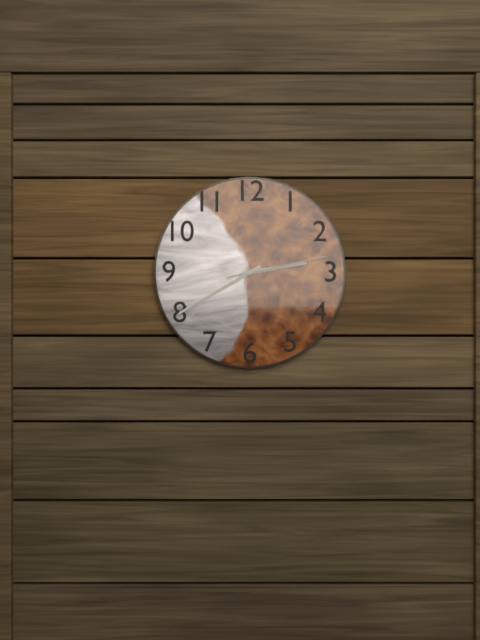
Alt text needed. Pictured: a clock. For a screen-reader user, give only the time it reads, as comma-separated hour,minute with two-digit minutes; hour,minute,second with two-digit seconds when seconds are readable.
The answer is 2,40,13
